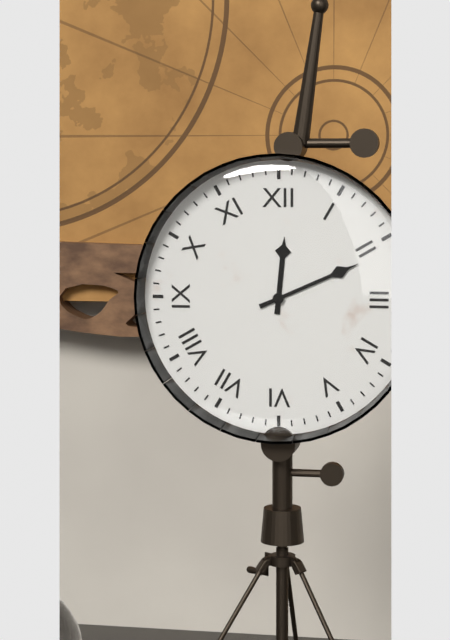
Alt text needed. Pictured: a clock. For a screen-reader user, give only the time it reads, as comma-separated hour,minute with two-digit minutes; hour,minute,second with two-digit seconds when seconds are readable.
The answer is 12,11
